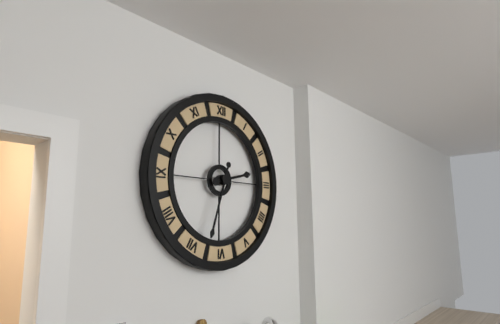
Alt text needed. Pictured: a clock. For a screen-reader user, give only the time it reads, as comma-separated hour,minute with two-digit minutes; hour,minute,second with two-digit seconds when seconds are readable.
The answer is 2,33
